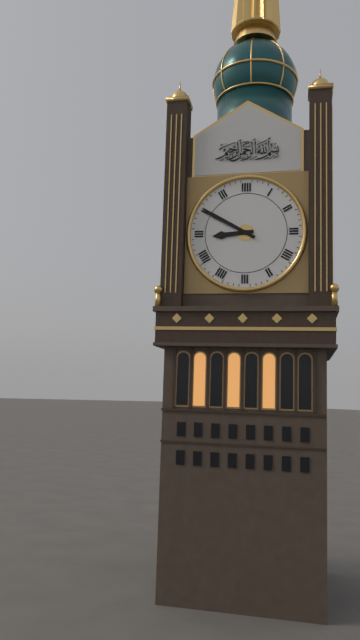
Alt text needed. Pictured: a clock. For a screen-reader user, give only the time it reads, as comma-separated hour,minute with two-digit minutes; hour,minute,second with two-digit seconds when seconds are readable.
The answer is 8,50
